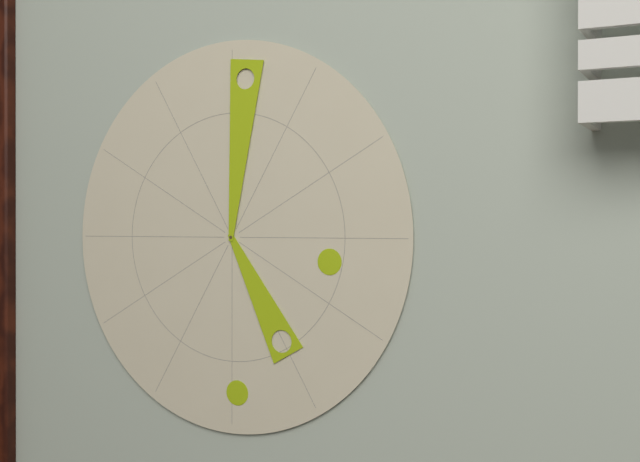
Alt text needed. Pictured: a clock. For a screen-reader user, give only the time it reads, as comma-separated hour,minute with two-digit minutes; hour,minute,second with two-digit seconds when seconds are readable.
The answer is 5,01
